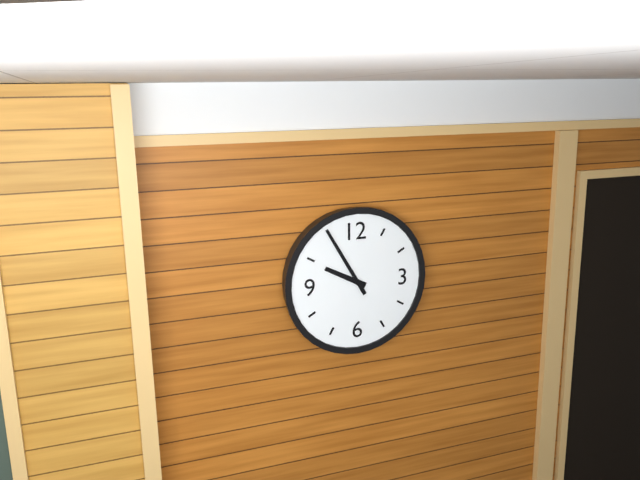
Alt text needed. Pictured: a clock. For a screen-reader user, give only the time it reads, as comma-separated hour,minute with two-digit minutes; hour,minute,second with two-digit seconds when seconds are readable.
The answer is 9,55
